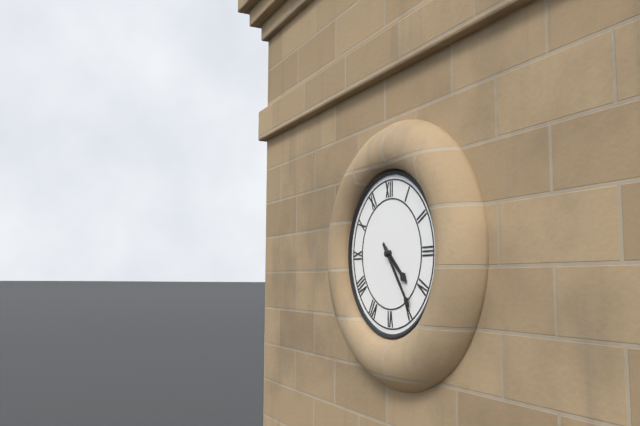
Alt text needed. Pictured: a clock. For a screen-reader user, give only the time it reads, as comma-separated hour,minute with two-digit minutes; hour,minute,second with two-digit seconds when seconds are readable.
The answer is 4,24
